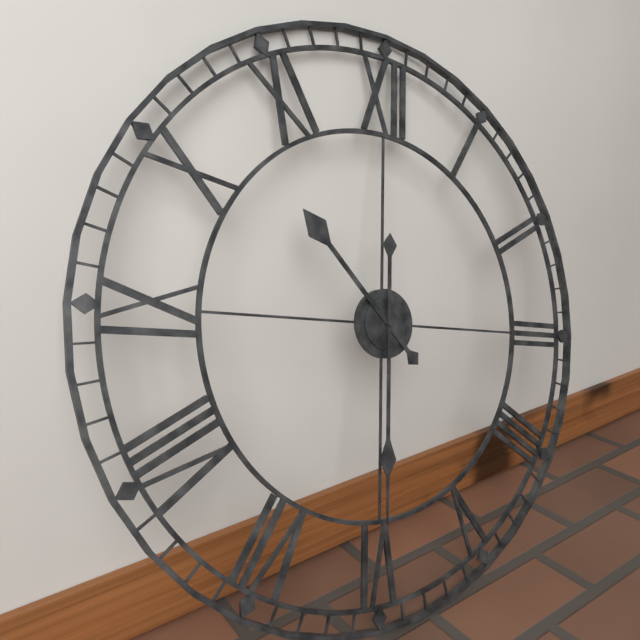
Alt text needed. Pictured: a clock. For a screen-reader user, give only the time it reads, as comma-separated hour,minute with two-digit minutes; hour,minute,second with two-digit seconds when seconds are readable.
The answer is 10,30
